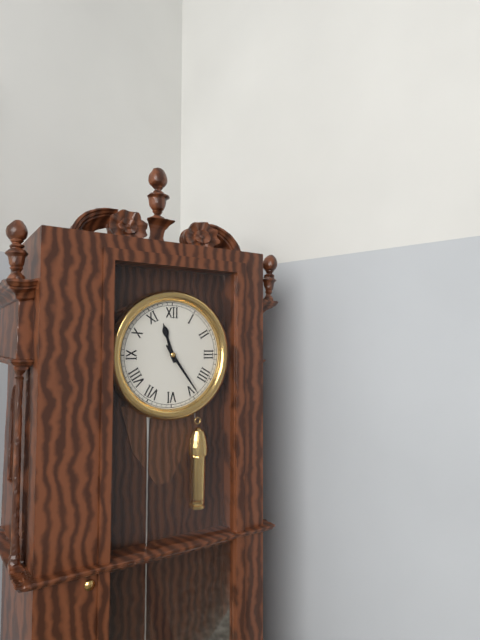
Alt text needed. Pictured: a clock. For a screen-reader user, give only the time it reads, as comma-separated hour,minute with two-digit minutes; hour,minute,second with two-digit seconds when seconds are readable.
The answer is 11,24
